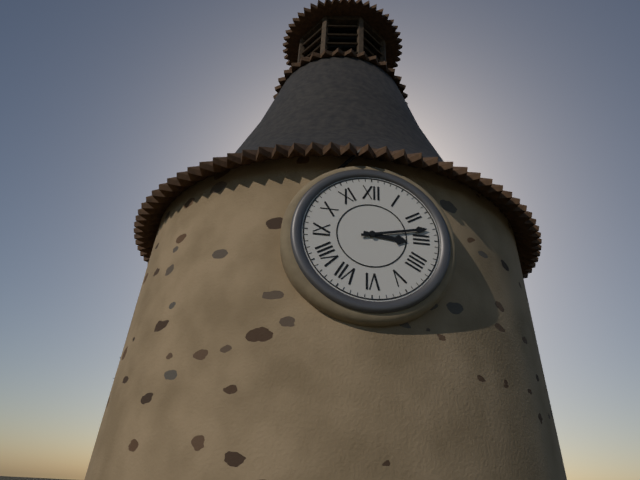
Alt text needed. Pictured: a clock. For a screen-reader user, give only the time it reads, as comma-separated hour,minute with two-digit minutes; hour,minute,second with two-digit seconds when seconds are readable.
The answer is 3,13
